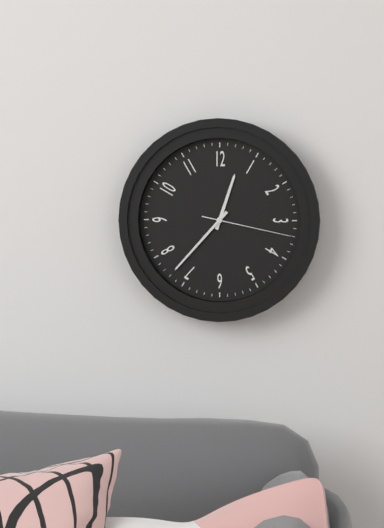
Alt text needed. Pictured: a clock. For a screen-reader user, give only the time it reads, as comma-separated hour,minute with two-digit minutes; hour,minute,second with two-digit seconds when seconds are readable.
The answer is 12,37,17
